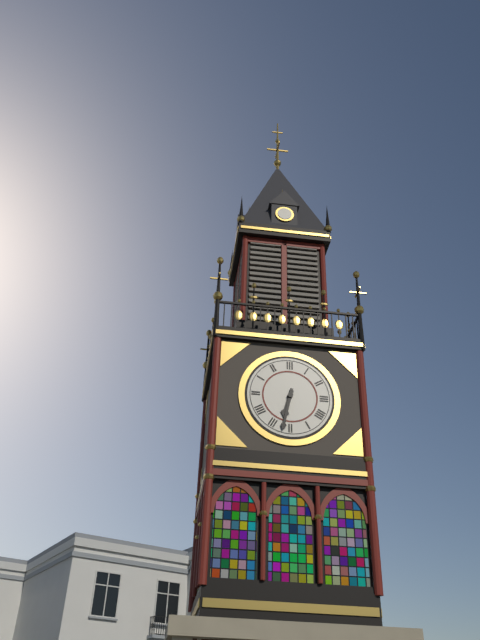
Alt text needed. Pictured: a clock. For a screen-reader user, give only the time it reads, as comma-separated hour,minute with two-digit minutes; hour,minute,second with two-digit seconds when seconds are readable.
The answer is 6,32
